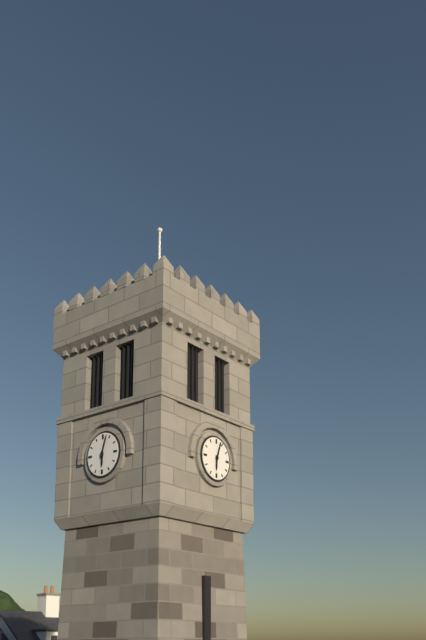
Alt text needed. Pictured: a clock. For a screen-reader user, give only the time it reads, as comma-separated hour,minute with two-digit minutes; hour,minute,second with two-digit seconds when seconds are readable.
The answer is 6,03
